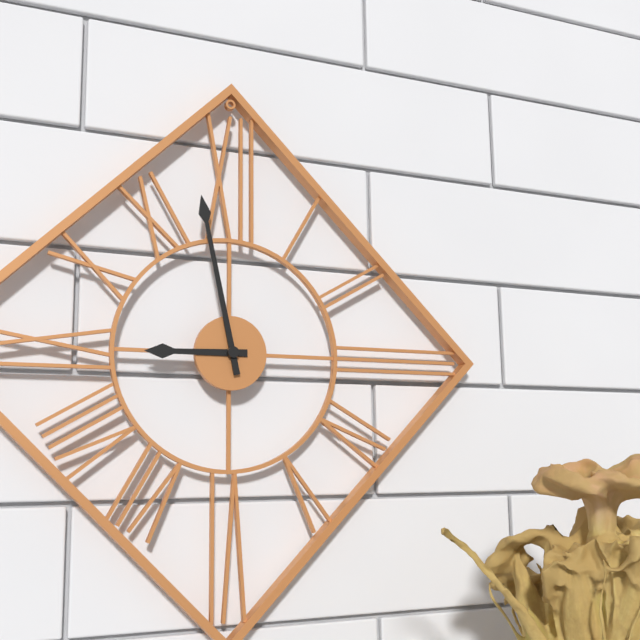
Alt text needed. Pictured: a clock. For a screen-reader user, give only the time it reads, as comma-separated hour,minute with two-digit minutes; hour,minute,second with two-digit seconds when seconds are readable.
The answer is 8,58
